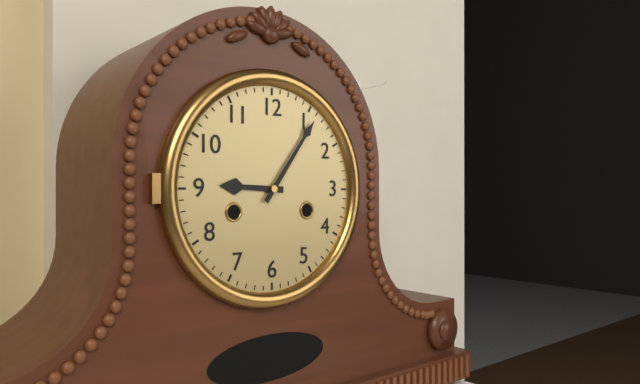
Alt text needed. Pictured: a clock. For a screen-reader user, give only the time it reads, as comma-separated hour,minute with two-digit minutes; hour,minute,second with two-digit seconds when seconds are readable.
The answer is 9,06
